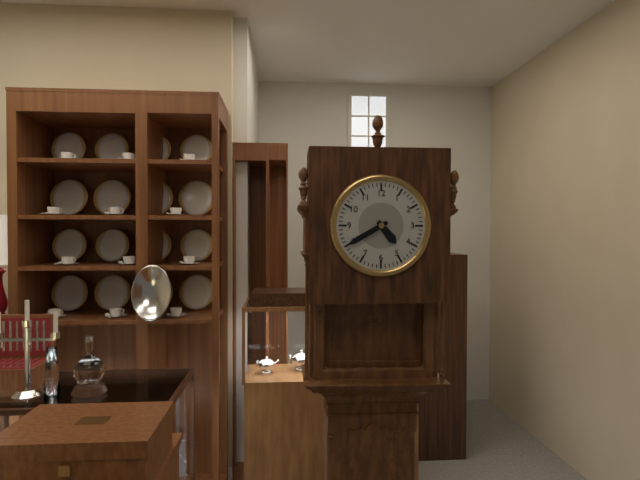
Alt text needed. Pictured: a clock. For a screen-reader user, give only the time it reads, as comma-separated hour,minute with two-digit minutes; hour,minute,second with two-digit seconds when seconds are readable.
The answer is 4,40
